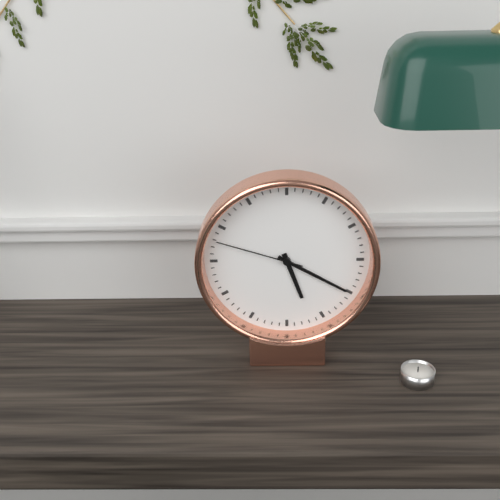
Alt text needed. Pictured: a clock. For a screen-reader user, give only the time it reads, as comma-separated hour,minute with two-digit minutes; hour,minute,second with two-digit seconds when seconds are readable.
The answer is 5,20,48
